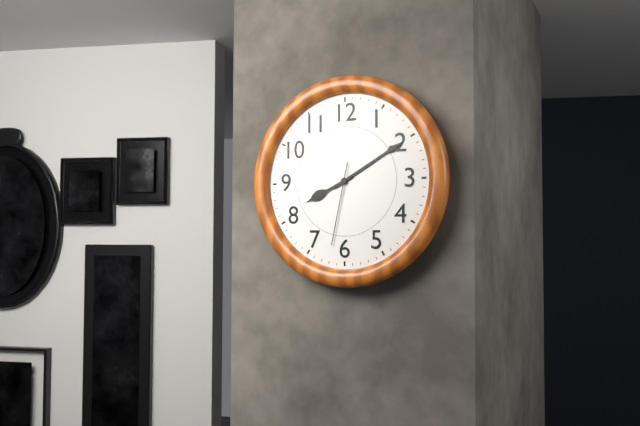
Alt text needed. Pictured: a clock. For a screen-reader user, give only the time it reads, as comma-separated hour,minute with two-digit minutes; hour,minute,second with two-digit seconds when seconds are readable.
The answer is 8,10,32
